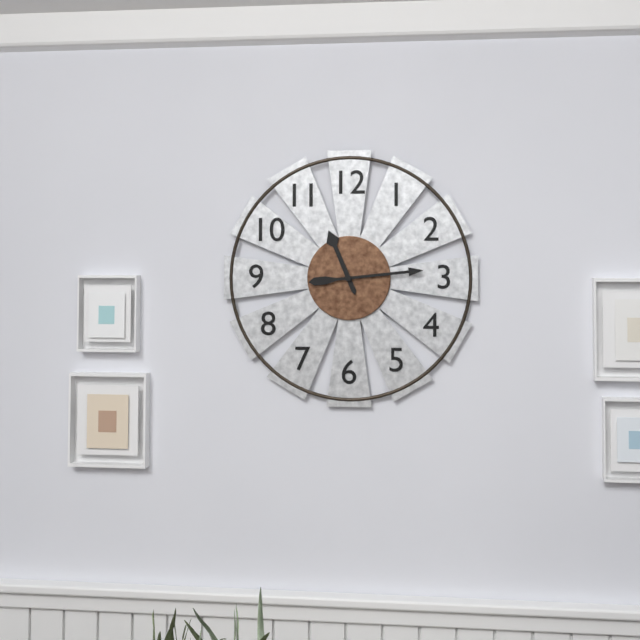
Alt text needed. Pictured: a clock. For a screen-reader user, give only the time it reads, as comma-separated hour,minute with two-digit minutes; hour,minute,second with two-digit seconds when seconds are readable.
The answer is 11,14
